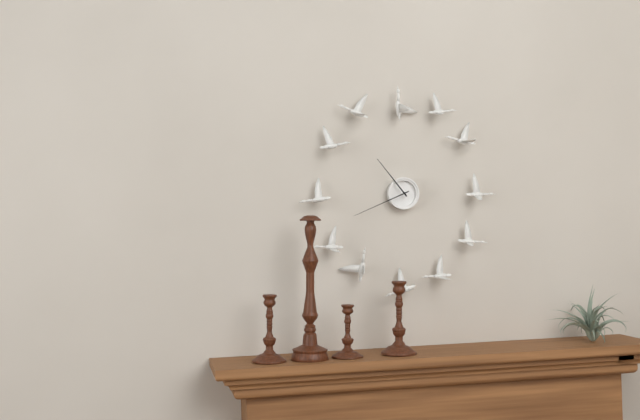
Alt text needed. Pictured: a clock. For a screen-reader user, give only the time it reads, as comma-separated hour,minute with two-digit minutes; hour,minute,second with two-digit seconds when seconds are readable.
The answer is 10,41
